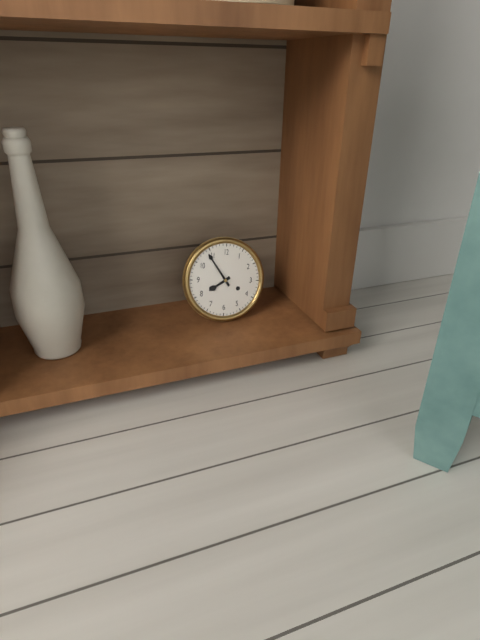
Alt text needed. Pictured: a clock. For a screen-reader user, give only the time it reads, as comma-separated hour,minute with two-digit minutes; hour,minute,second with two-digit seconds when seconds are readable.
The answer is 7,54
